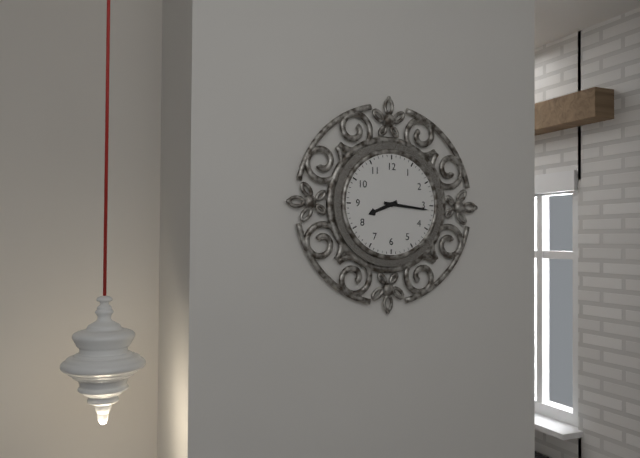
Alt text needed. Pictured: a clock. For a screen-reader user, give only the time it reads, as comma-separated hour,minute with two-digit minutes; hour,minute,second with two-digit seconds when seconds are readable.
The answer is 8,16
